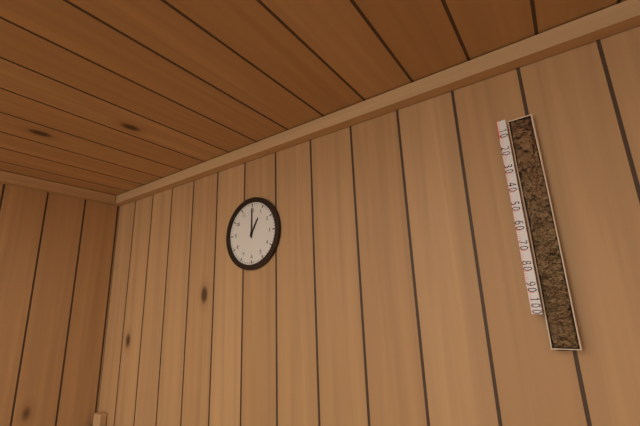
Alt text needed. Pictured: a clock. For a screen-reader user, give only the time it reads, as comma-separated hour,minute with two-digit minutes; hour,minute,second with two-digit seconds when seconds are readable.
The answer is 1,00
